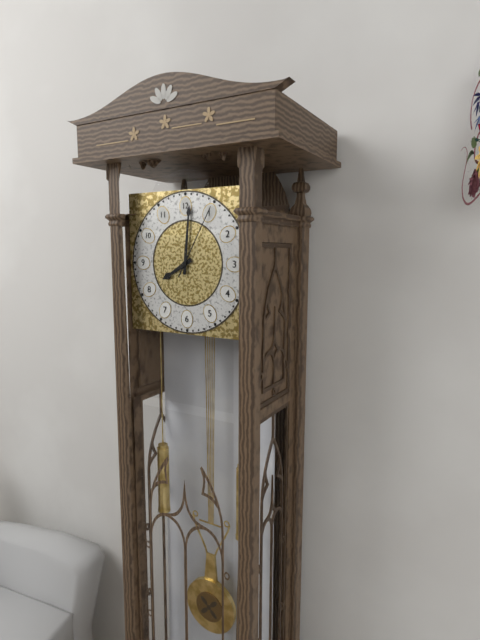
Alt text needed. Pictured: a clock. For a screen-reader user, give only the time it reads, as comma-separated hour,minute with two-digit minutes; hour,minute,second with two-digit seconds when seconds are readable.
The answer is 8,01,05
